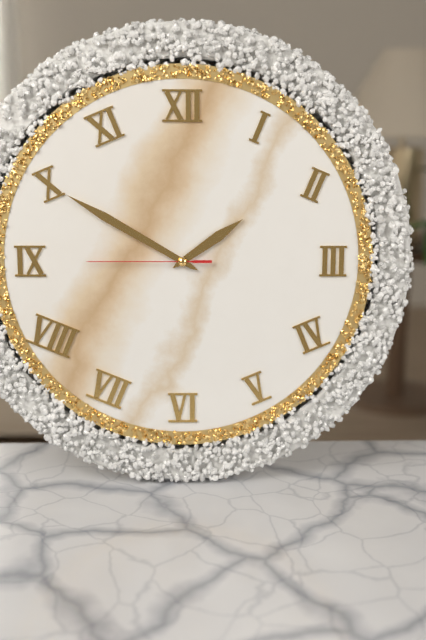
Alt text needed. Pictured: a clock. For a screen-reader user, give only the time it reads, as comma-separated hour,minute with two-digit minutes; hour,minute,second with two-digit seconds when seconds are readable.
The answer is 1,50,45
